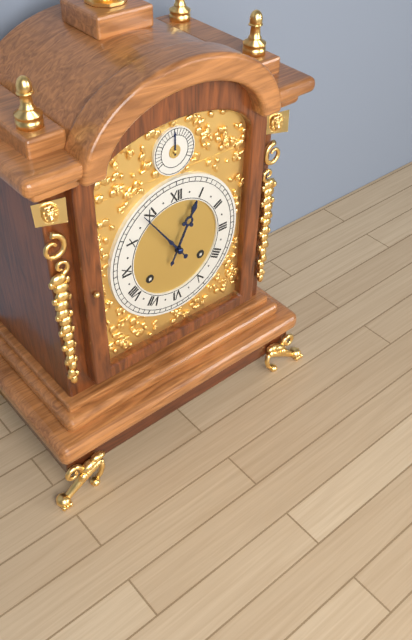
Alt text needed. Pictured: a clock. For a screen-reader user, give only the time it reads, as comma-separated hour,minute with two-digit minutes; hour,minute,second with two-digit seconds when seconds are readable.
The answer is 12,54
